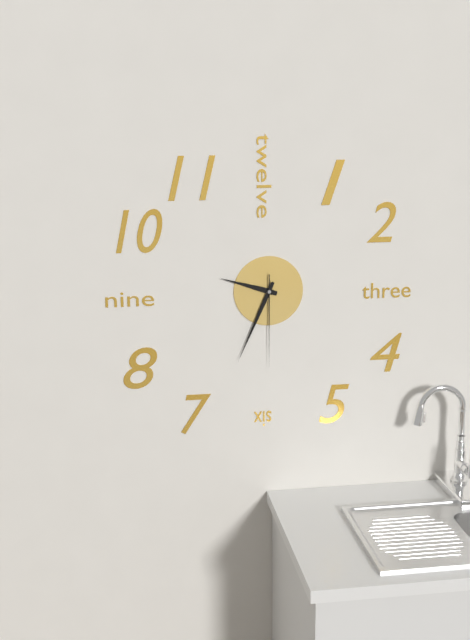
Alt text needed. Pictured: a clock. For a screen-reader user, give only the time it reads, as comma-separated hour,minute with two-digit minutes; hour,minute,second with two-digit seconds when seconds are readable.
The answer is 9,34,30
